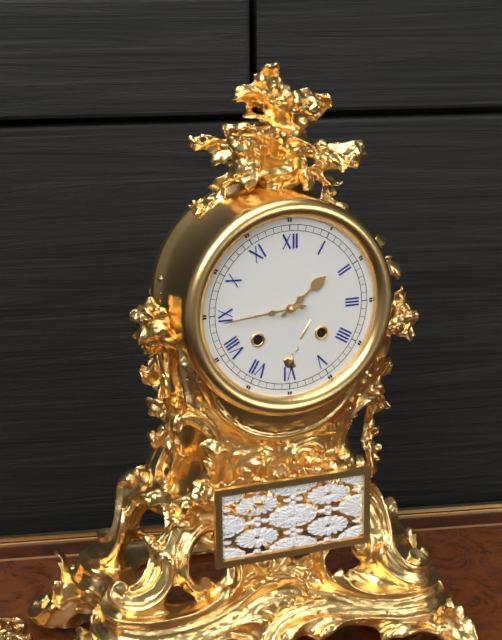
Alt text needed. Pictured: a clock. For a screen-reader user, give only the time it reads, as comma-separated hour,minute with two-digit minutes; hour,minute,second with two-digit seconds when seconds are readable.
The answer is 1,44
